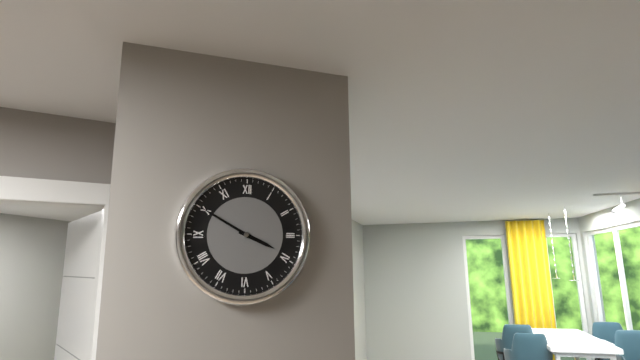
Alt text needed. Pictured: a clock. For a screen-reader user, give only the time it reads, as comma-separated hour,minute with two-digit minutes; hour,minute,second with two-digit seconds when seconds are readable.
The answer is 3,50
